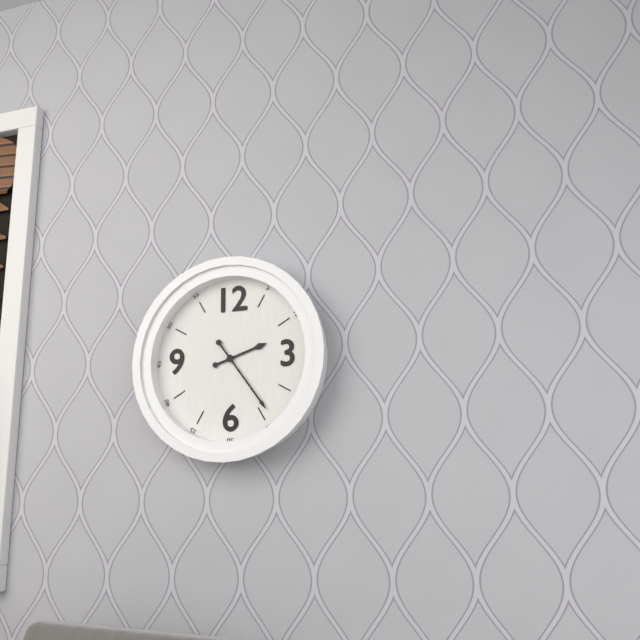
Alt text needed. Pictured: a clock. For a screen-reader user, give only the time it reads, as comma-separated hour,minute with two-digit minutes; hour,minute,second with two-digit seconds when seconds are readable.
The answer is 2,24
